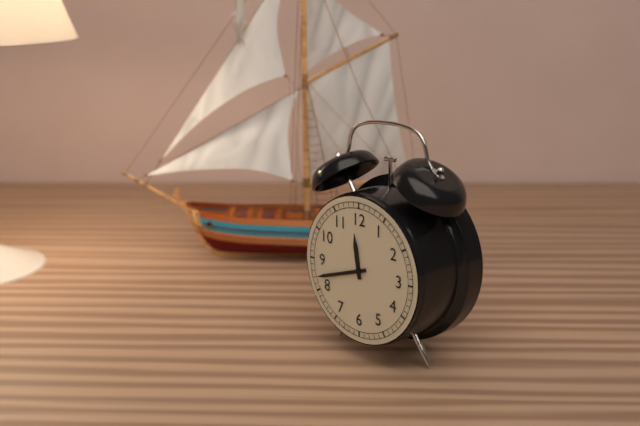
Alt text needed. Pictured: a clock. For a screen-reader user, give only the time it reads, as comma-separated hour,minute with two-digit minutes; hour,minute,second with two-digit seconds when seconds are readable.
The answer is 11,42
